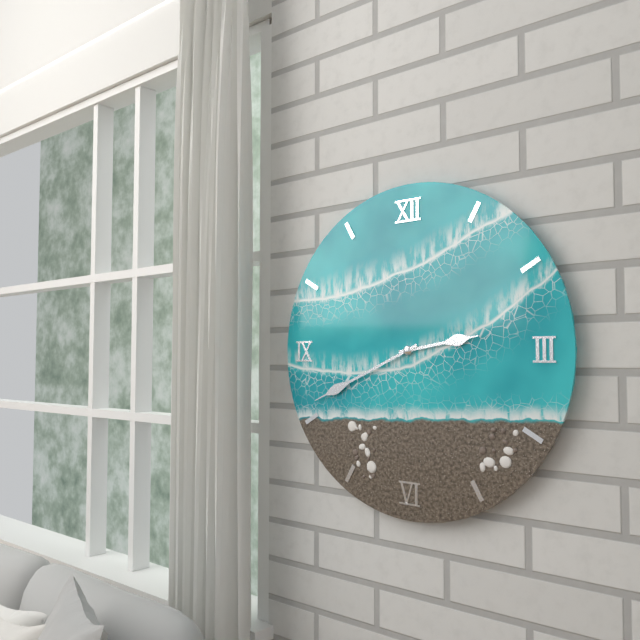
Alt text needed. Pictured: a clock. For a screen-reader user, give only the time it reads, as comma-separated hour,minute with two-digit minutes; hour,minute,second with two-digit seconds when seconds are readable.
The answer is 2,41
